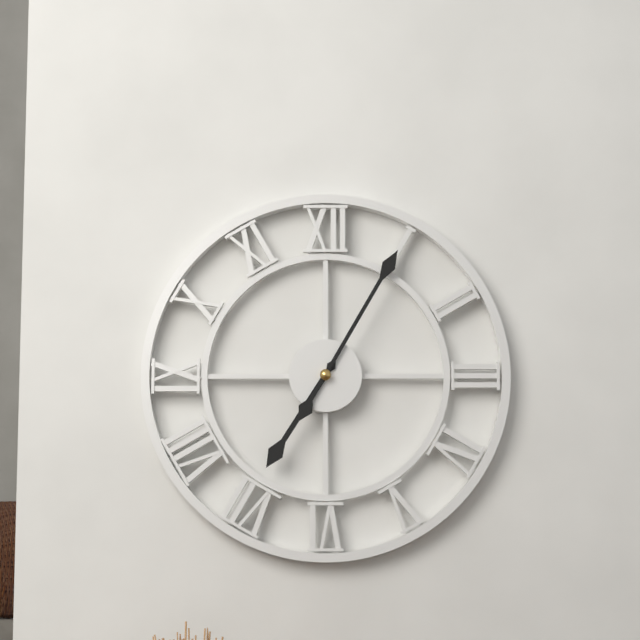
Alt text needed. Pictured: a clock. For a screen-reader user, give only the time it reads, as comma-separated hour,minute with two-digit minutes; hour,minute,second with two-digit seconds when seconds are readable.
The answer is 7,05
